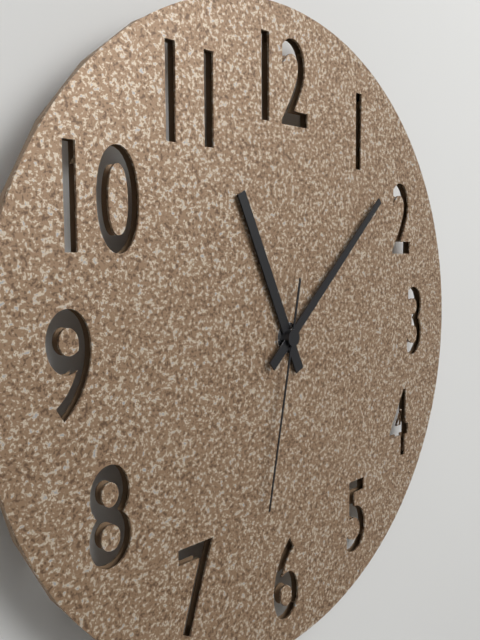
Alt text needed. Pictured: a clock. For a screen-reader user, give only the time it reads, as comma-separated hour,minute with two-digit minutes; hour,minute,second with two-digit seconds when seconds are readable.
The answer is 11,08,32
